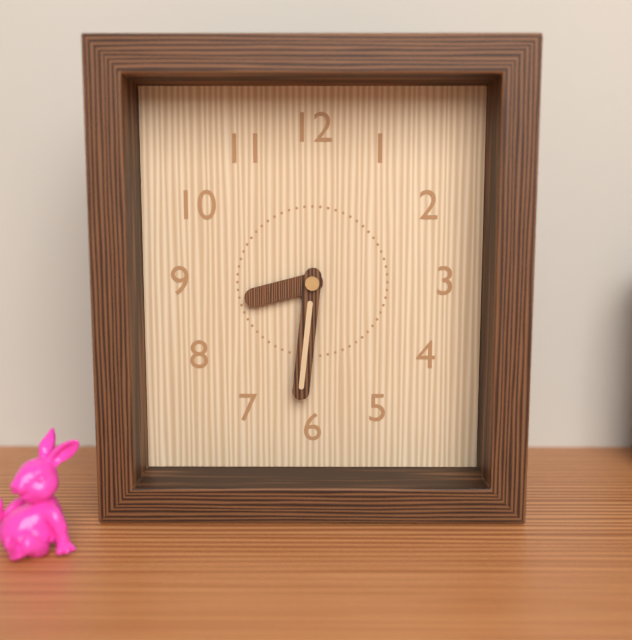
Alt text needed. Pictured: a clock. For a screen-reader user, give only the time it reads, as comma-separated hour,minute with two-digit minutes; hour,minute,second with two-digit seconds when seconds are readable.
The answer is 8,31
